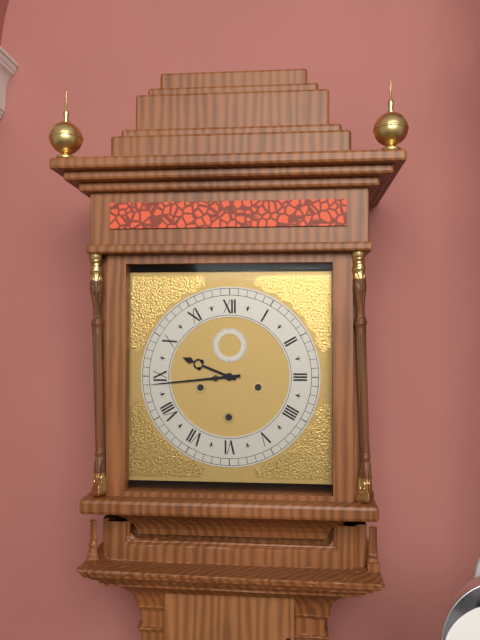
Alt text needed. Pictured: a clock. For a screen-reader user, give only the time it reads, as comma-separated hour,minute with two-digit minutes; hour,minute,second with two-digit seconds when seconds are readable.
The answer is 9,44
